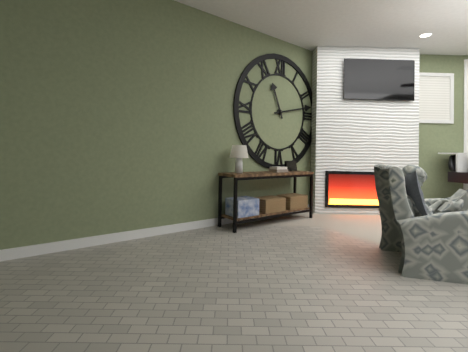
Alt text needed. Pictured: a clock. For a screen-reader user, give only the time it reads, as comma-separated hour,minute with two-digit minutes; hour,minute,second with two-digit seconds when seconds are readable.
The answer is 11,13
